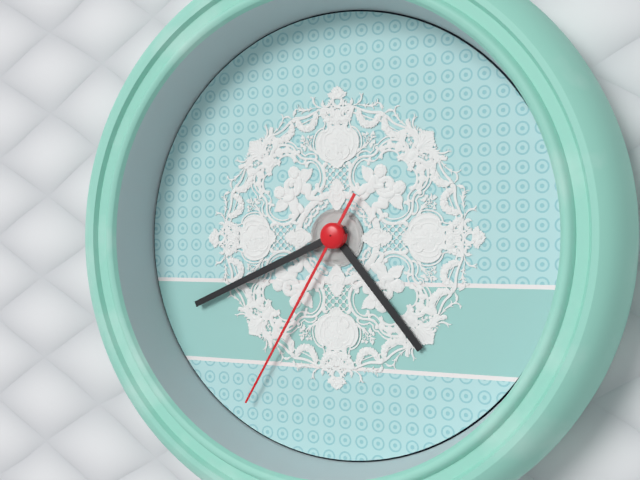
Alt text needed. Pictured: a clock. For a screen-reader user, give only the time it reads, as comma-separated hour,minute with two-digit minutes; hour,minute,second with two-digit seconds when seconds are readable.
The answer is 4,41,35
